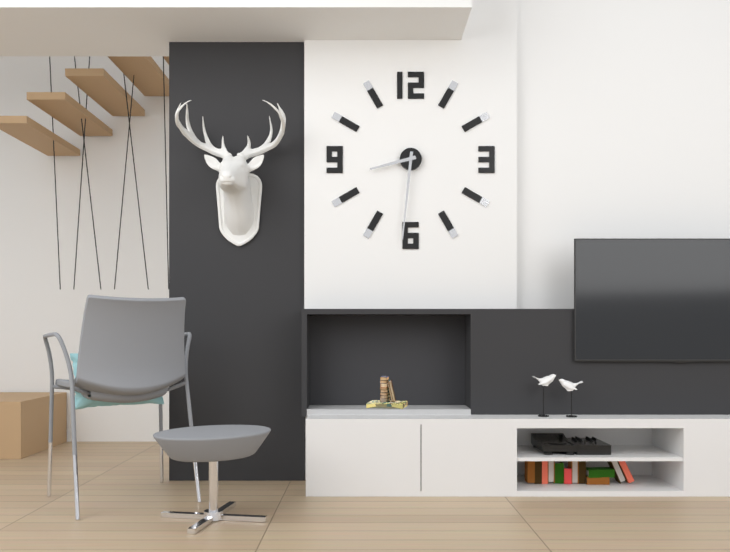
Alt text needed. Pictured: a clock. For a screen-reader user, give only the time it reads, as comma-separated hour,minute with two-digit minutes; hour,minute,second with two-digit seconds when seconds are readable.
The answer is 8,31
